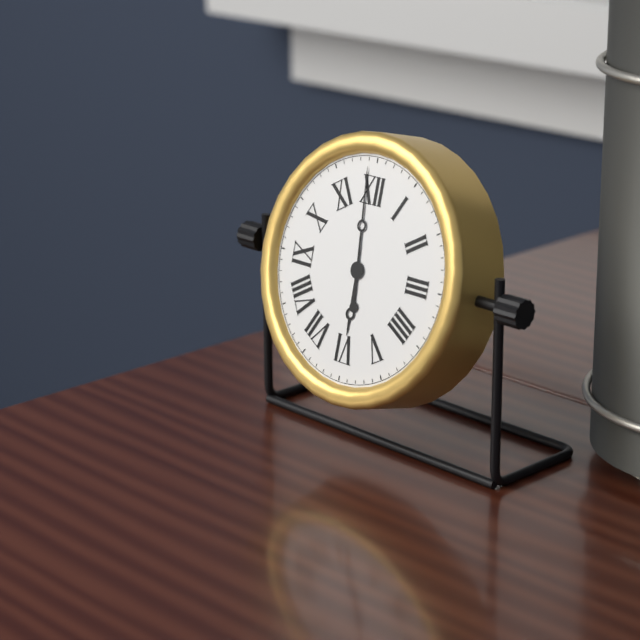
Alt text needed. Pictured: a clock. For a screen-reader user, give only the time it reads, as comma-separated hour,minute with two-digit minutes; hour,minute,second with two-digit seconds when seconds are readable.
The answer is 5,59
